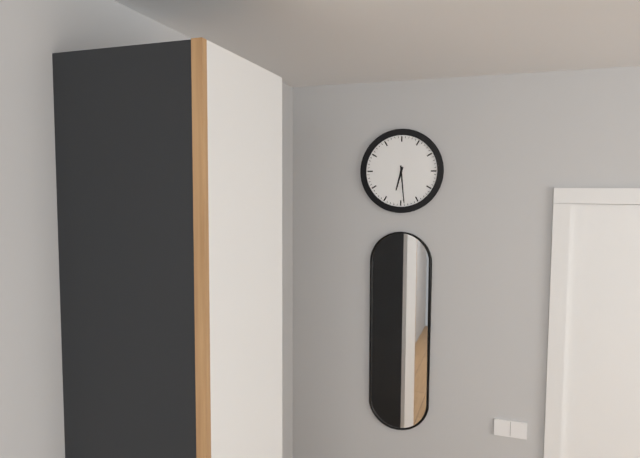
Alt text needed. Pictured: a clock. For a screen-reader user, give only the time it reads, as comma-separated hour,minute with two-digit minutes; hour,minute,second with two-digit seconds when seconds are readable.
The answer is 6,29
